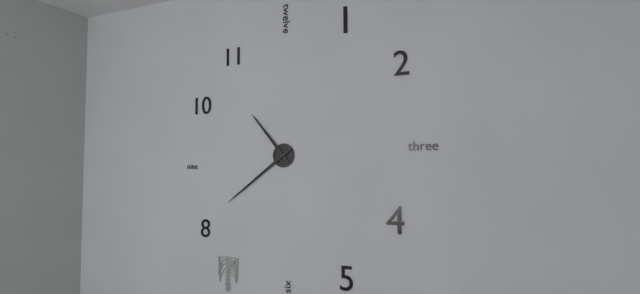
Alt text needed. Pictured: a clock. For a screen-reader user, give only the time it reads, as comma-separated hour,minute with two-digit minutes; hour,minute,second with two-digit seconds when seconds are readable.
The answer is 10,39
